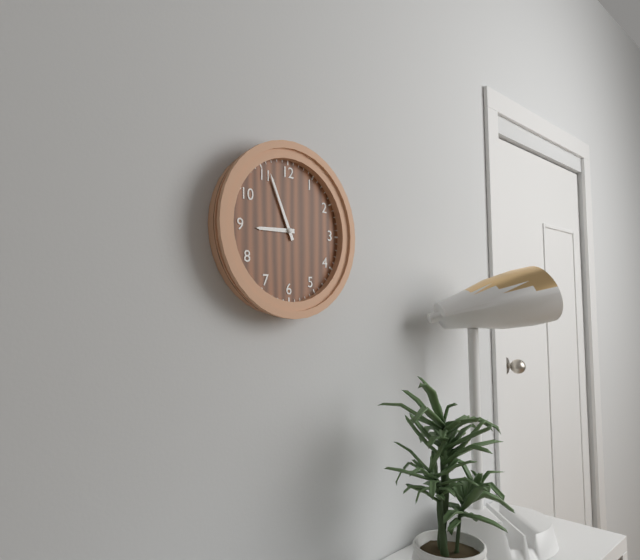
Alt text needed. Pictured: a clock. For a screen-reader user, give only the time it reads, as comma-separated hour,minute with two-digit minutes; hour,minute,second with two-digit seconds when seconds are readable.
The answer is 8,56
